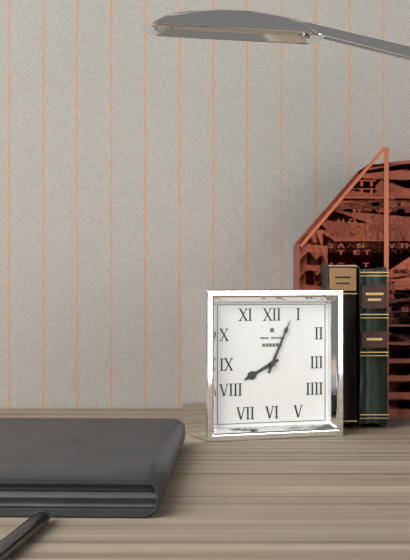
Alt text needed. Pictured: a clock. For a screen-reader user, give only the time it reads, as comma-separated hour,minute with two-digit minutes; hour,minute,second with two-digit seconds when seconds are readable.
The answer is 8,04
